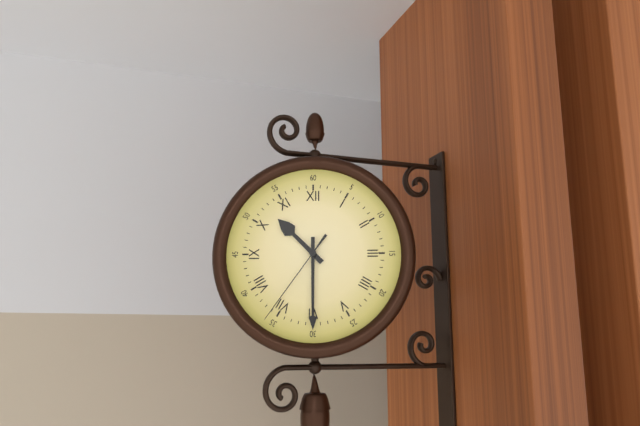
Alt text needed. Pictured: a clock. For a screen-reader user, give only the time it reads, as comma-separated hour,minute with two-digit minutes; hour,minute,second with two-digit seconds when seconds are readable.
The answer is 10,30,36
